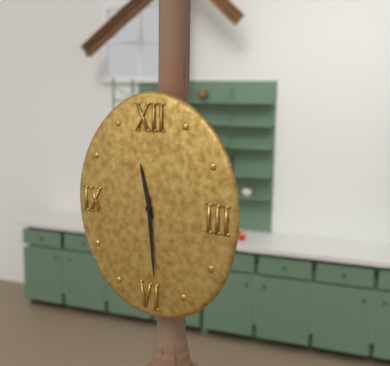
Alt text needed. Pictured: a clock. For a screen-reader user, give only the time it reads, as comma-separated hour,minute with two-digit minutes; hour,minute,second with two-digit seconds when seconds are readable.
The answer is 11,29
